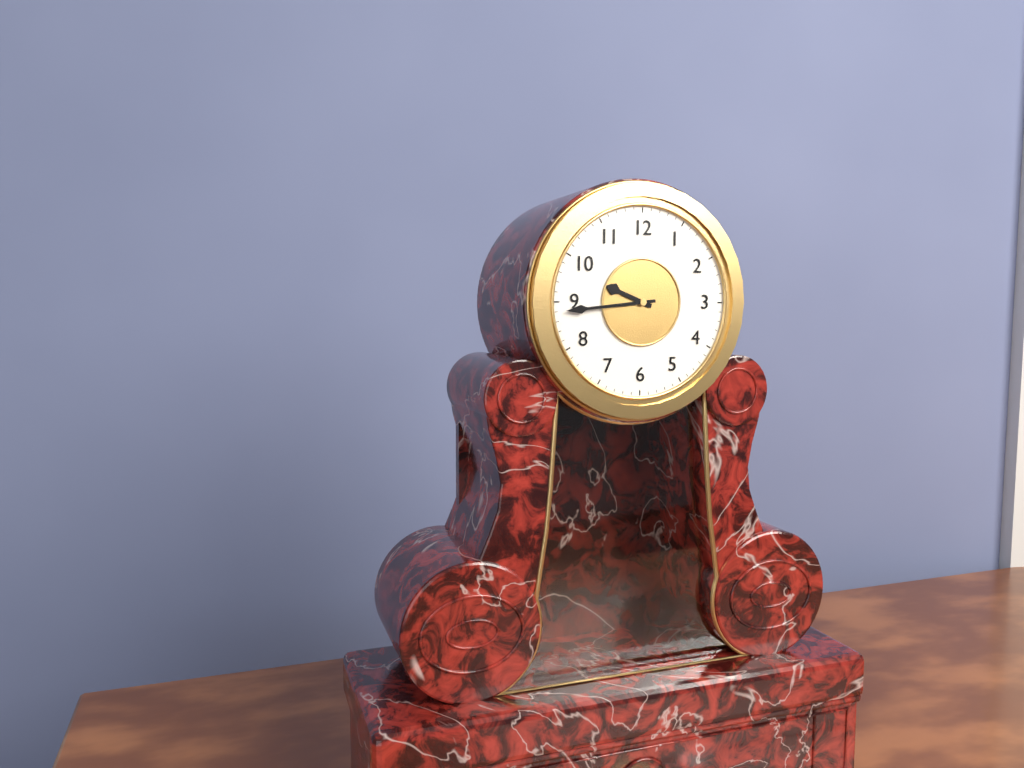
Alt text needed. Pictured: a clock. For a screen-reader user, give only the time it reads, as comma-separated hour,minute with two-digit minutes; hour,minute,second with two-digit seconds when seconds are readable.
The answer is 9,44
